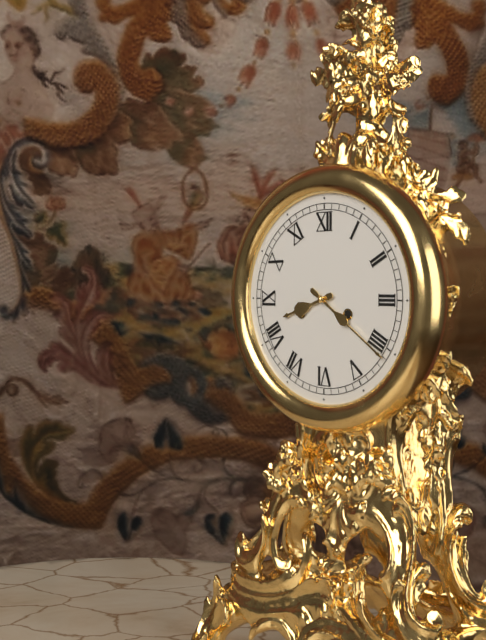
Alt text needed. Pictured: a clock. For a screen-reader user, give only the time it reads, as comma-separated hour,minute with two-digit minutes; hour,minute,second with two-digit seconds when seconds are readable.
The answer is 8,21
